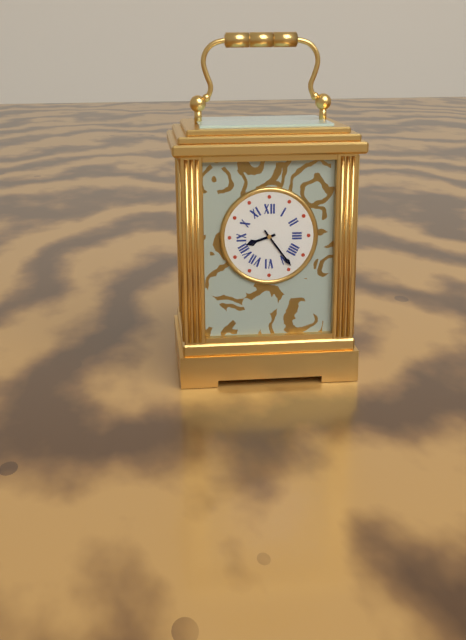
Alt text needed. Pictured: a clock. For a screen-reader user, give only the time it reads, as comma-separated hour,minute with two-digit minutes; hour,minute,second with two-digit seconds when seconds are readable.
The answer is 8,24
